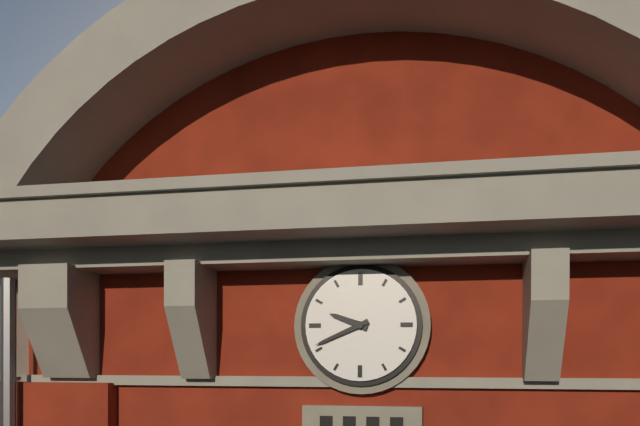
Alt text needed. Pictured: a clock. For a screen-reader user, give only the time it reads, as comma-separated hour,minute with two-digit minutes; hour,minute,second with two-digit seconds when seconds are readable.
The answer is 9,41
